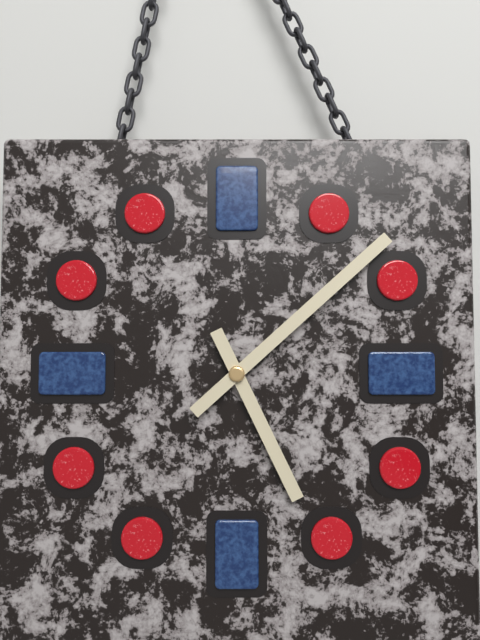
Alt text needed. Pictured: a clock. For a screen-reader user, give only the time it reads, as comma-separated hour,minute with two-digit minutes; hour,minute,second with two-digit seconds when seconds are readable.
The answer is 5,08
